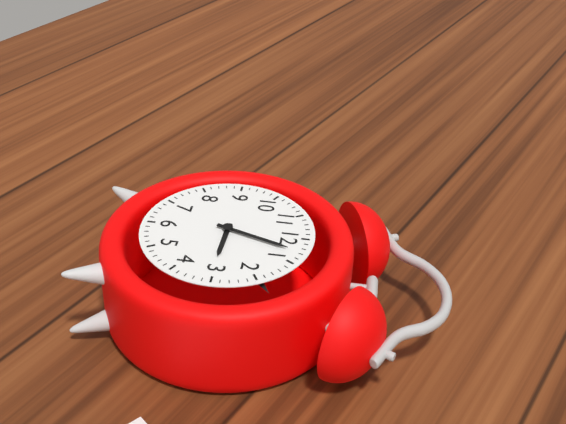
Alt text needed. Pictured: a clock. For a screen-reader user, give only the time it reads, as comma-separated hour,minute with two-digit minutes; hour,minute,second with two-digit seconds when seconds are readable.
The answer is 3,03
